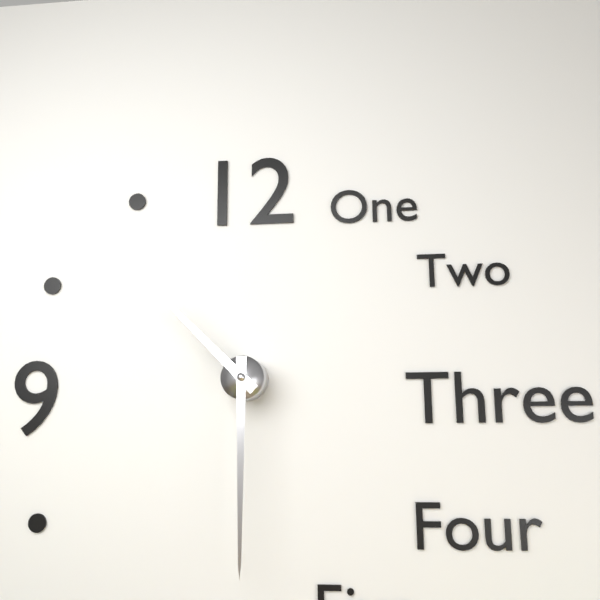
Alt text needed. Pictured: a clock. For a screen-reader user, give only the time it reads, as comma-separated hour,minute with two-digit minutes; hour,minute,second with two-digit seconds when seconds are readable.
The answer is 10,30
